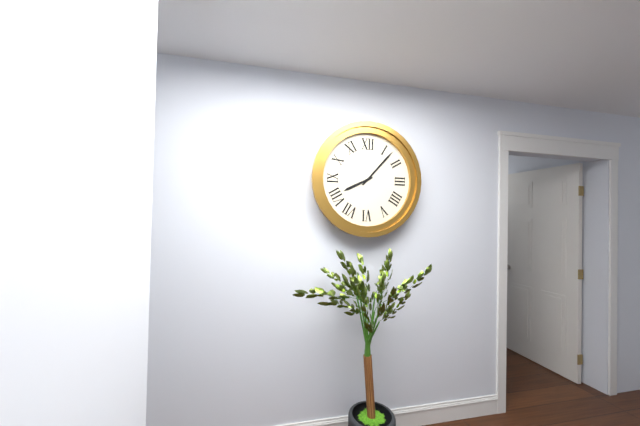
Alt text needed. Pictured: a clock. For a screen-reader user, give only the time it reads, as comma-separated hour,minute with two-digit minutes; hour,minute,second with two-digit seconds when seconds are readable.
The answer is 8,07
